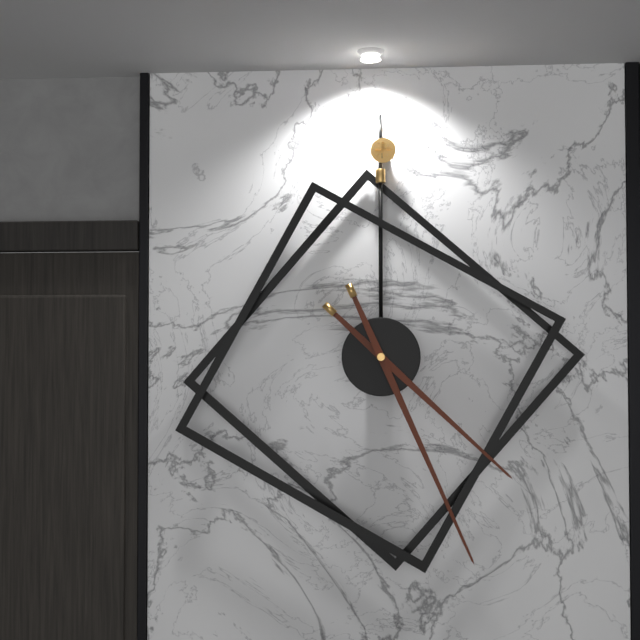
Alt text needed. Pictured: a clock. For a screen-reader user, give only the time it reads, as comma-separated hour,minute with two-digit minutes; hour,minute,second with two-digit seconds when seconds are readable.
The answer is 4,26
